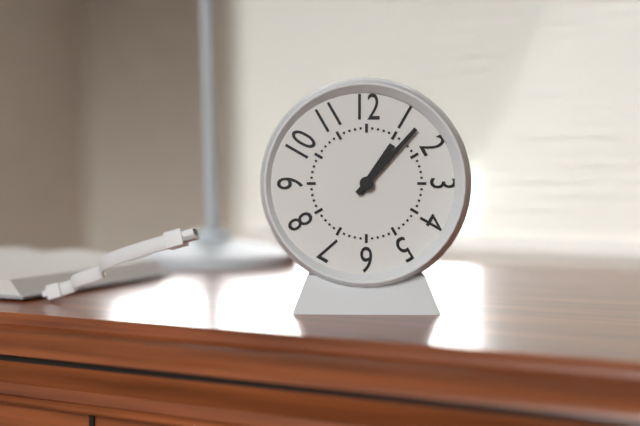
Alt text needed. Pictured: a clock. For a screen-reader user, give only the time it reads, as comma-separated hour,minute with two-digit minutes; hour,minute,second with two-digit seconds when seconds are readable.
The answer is 1,07
